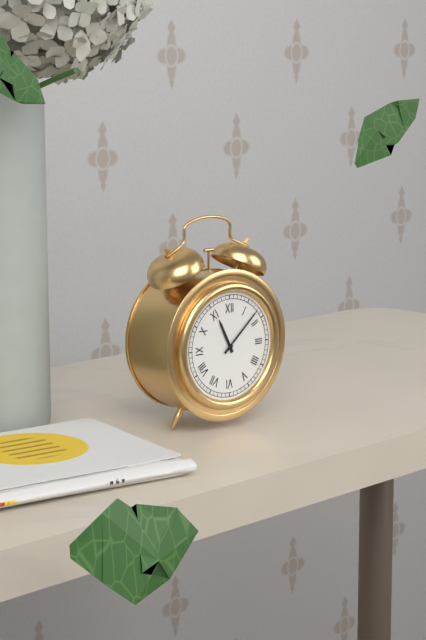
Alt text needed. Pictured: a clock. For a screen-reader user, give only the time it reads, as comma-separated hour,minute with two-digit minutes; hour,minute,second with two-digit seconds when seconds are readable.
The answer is 11,08
